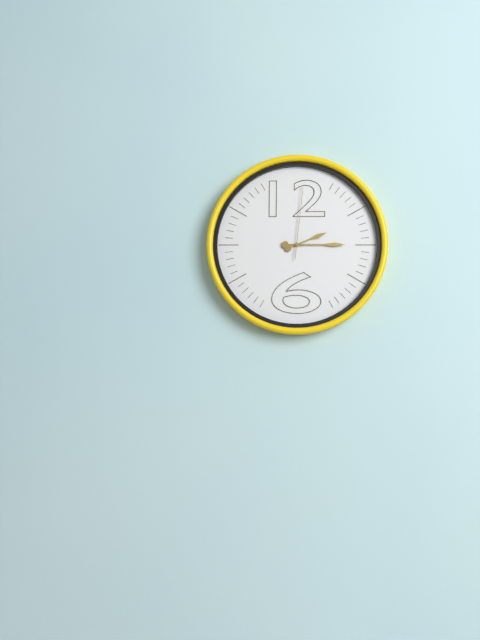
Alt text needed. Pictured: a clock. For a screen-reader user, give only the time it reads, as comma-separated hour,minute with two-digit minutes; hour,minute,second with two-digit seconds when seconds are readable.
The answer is 2,15,01
